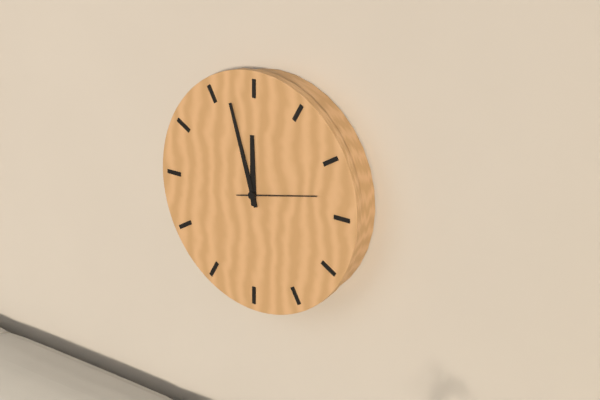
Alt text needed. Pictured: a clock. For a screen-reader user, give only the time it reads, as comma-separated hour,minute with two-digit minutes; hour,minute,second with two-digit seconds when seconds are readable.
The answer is 11,57,13
